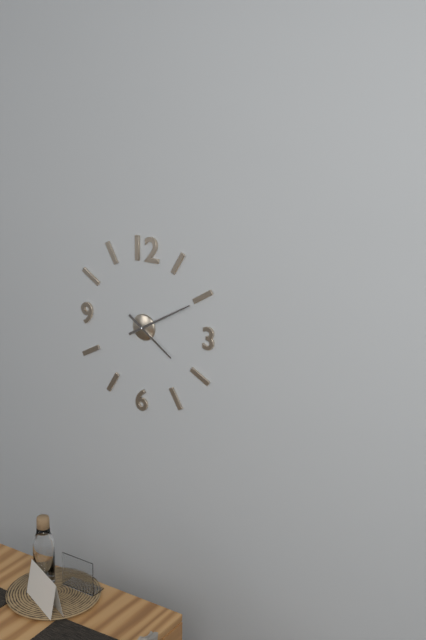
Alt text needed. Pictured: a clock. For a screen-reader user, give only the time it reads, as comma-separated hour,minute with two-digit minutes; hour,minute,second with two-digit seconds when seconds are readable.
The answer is 4,10
